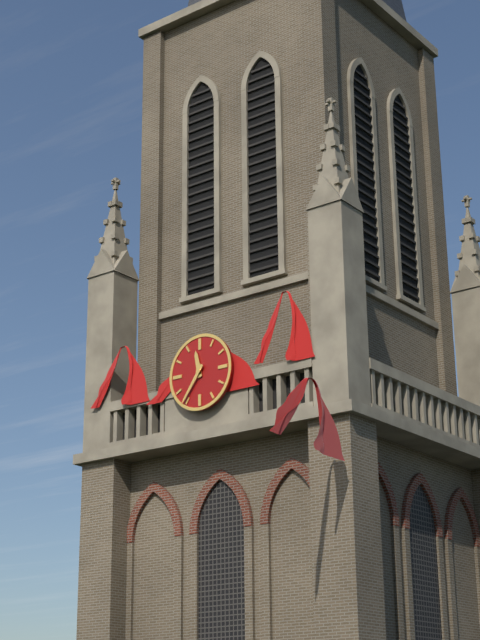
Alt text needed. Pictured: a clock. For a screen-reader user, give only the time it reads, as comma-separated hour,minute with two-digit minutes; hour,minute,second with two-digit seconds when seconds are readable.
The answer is 11,36
